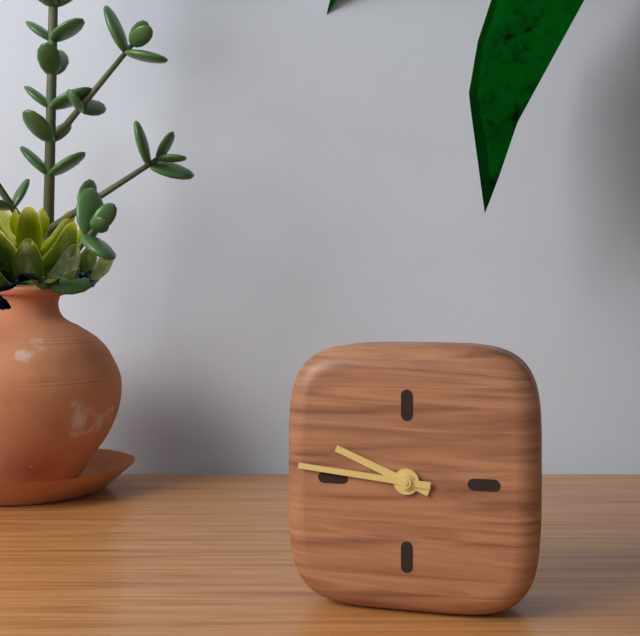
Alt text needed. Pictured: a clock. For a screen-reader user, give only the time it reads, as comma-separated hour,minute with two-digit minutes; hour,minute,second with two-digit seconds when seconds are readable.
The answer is 9,46
